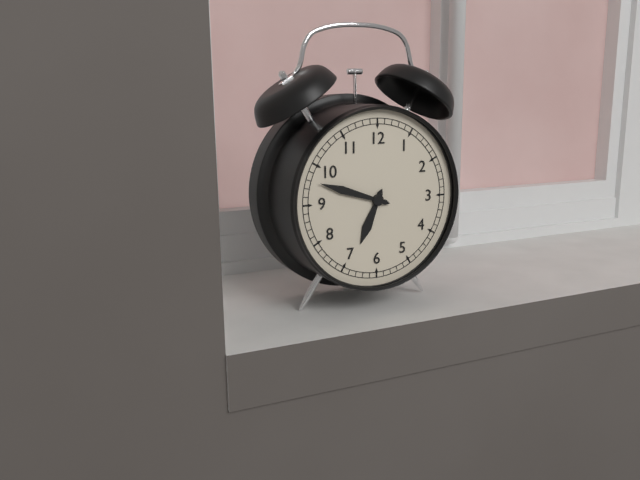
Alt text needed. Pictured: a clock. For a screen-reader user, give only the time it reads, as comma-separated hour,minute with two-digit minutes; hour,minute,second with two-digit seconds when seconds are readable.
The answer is 6,48
